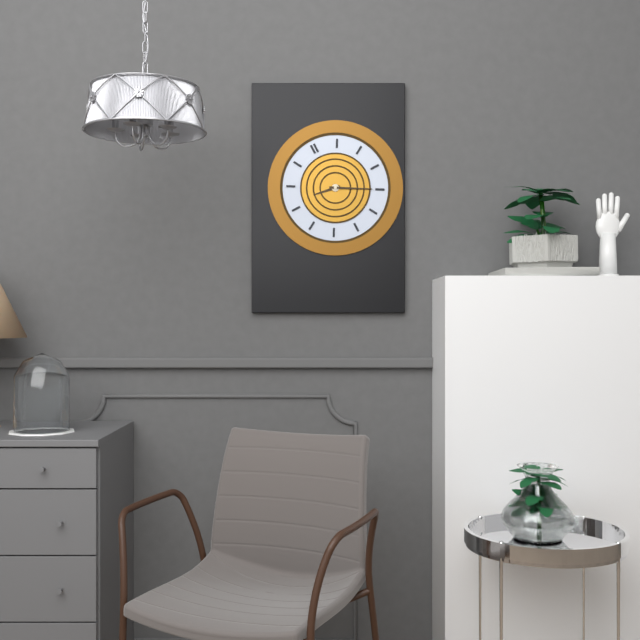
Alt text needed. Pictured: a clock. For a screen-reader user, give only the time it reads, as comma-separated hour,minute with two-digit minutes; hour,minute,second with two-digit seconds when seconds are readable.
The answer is 9,20
